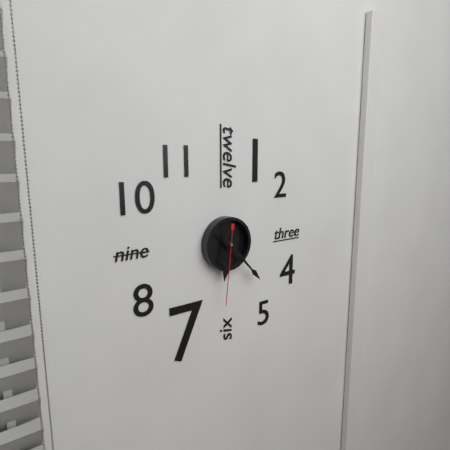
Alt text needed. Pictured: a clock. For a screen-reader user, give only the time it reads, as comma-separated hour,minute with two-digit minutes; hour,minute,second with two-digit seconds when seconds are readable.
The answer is 6,23,31
